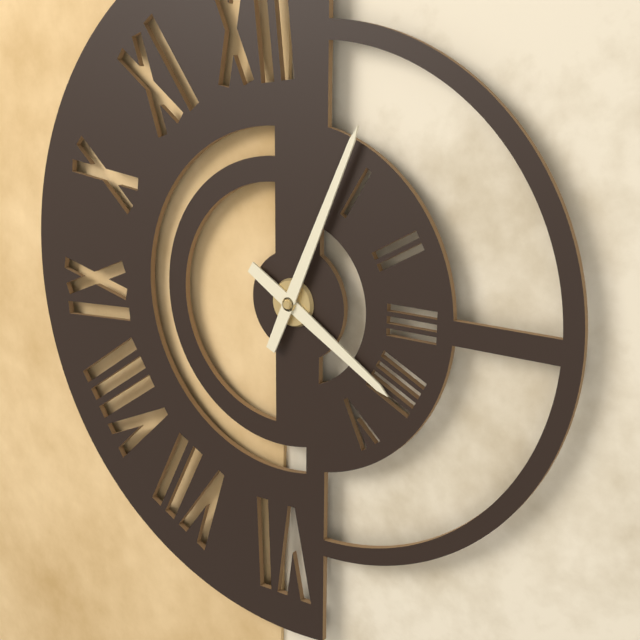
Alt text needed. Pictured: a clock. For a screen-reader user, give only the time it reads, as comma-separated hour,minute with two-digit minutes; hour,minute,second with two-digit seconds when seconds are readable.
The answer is 4,04
